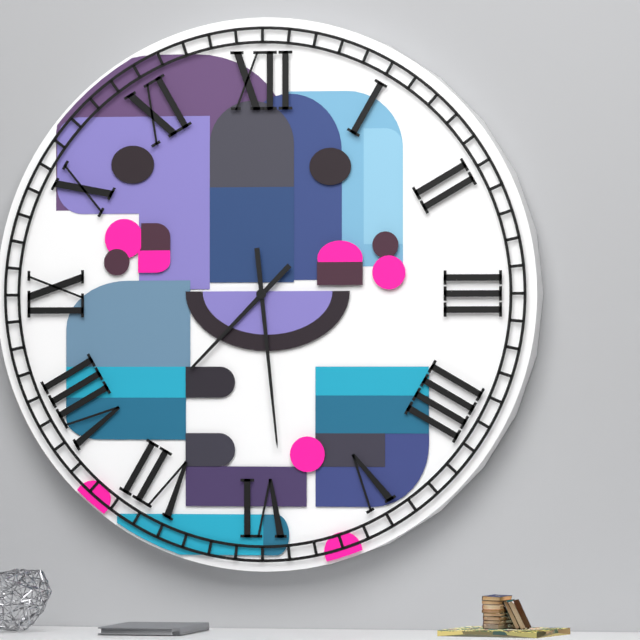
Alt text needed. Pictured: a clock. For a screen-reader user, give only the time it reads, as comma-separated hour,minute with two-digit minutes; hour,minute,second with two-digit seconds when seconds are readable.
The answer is 7,29
